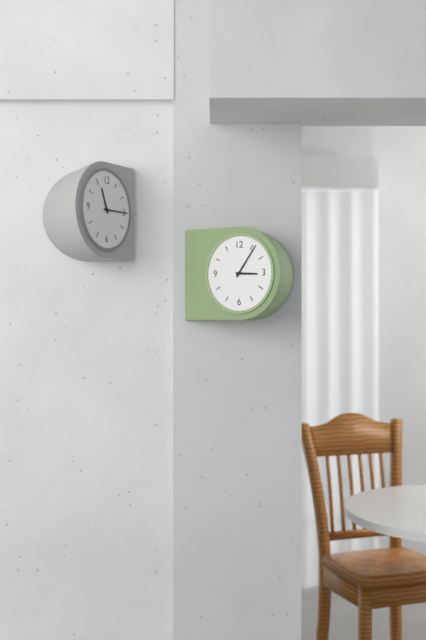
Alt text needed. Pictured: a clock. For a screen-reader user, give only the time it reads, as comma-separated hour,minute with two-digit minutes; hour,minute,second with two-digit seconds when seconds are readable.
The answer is 3,06
